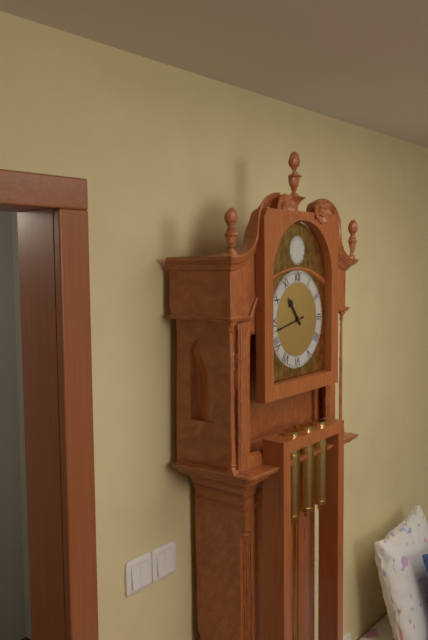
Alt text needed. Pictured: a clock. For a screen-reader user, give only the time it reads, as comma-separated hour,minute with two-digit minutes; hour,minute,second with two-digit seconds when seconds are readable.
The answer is 10,43
